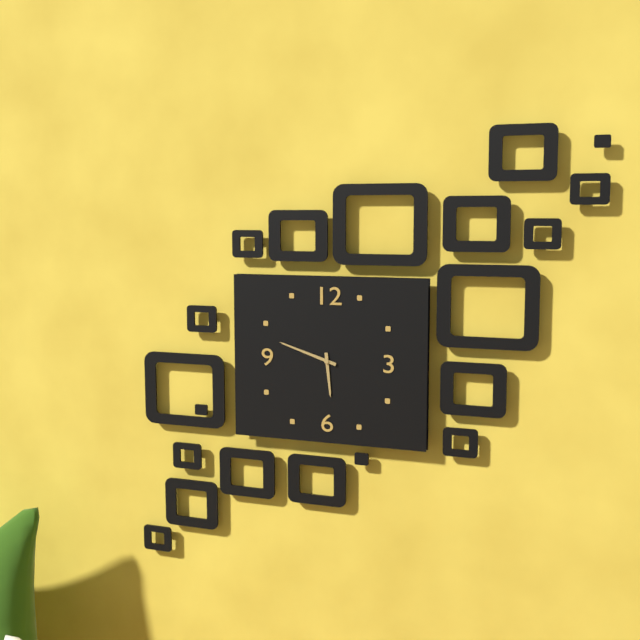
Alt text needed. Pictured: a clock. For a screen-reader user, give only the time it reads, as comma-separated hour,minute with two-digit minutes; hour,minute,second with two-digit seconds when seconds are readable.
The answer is 5,48
